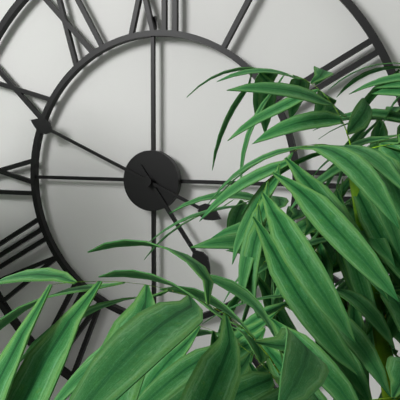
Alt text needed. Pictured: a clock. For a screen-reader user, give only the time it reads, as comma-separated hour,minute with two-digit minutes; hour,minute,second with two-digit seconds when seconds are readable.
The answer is 4,49
